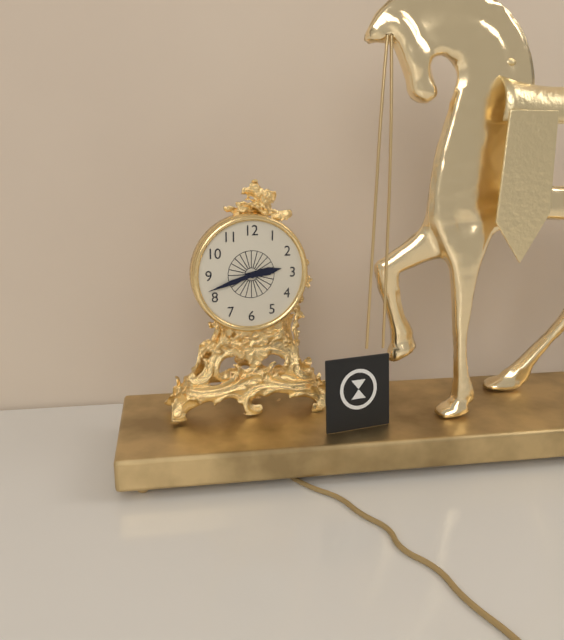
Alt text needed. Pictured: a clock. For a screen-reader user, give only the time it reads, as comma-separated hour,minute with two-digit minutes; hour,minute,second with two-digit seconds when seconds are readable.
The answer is 2,42
